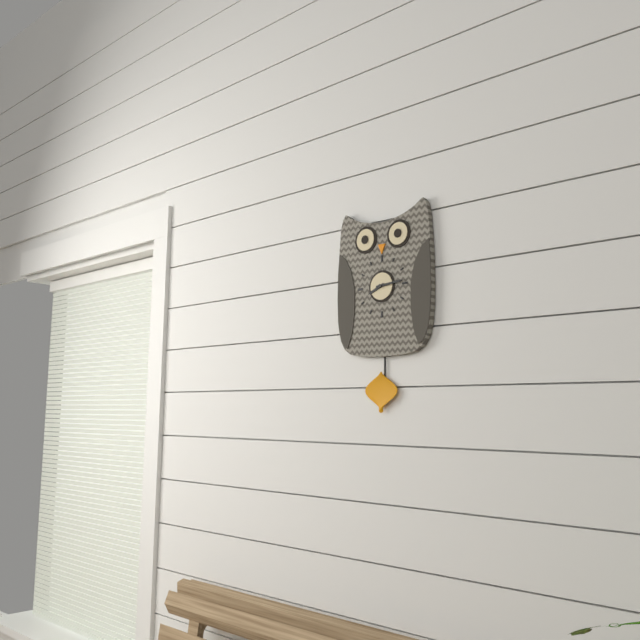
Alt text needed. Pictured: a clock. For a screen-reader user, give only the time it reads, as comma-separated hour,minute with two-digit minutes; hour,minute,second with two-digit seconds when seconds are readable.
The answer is 8,14
